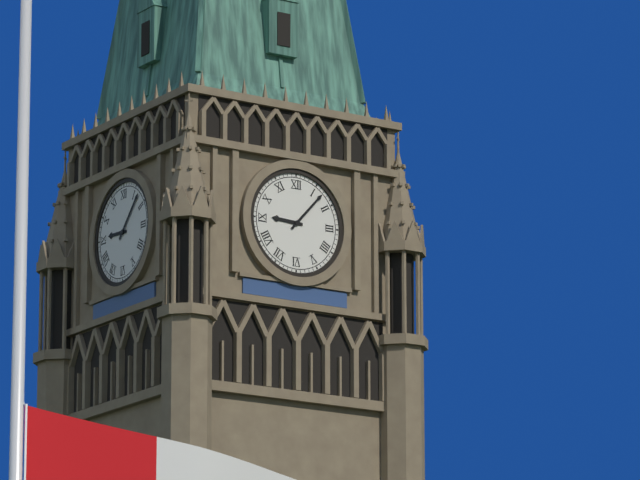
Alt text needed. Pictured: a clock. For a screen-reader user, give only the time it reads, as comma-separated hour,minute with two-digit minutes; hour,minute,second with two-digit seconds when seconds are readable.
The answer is 9,07
